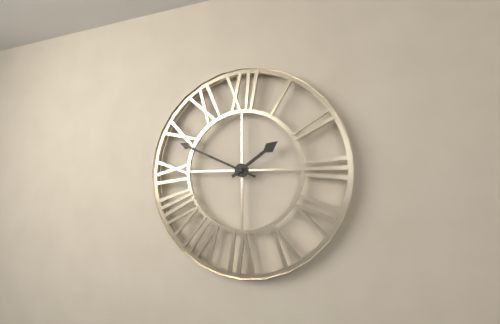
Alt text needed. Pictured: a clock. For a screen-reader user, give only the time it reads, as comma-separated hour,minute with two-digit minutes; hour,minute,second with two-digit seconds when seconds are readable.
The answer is 1,49
